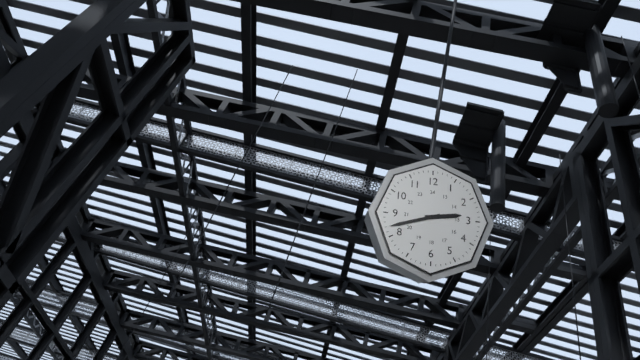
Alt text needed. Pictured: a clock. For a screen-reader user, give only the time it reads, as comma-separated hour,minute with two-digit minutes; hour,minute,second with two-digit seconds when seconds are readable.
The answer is 2,42
